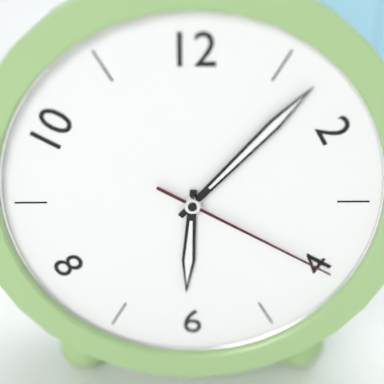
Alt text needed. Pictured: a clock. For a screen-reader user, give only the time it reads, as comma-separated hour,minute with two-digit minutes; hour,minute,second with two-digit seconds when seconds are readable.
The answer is 6,07,20
